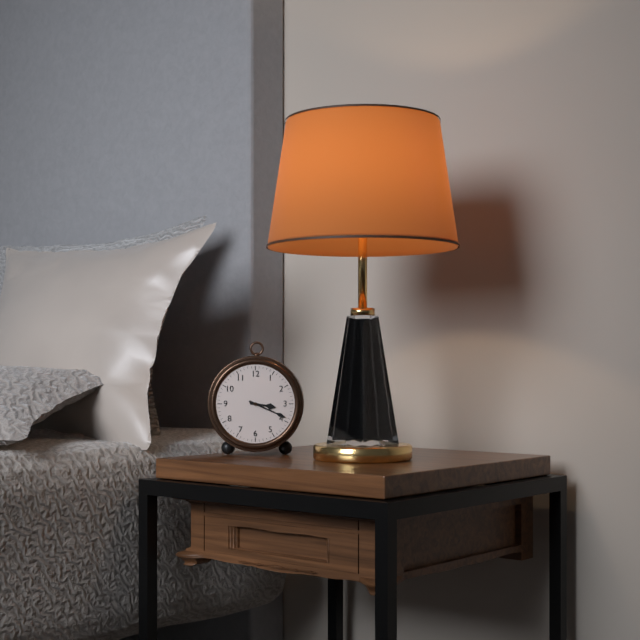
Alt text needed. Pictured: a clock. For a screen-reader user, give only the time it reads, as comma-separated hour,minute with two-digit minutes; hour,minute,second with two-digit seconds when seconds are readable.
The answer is 3,19
